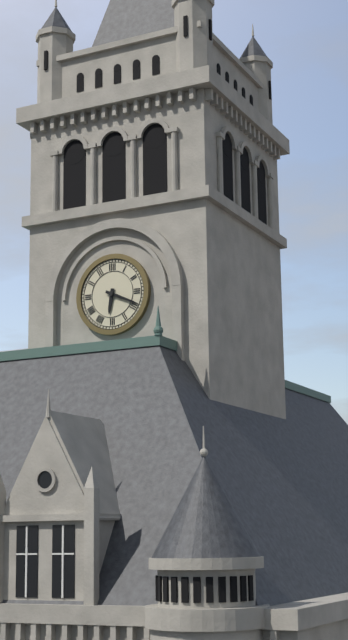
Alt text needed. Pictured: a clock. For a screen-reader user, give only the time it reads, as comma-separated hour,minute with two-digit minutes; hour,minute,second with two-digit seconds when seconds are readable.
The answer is 6,19
